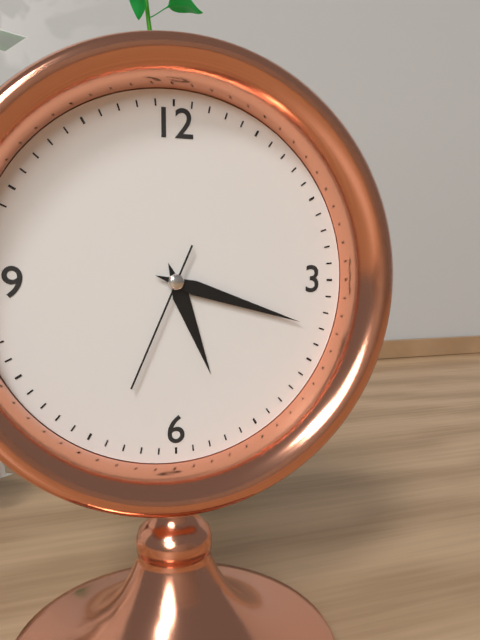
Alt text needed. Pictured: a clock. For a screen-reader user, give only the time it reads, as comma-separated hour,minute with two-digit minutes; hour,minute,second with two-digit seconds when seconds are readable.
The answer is 5,18,34
